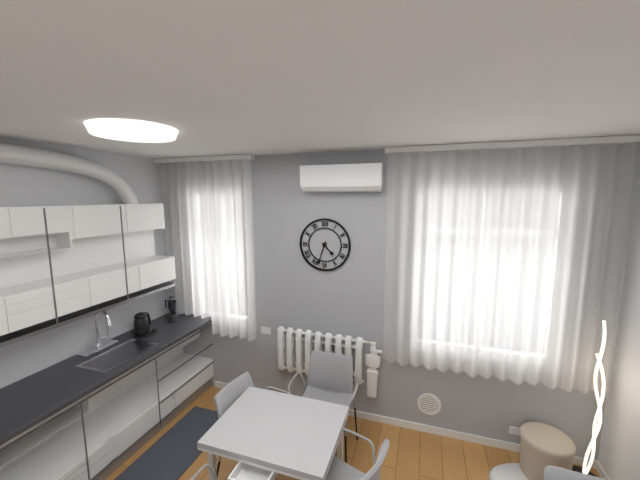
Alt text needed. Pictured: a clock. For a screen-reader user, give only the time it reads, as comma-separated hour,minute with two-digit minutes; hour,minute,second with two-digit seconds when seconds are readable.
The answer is 4,33
